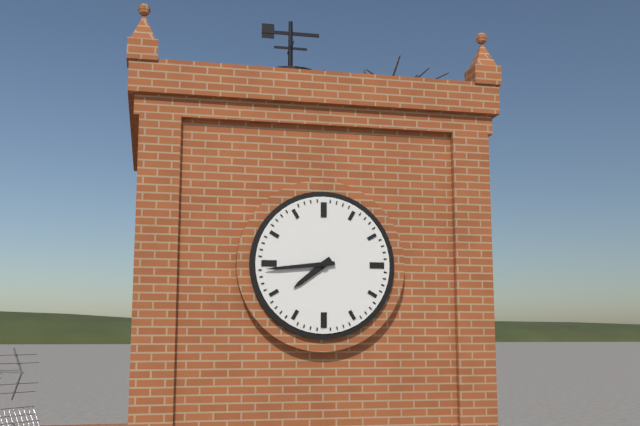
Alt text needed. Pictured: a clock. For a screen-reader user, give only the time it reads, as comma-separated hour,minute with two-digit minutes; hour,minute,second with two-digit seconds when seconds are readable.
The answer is 7,44
